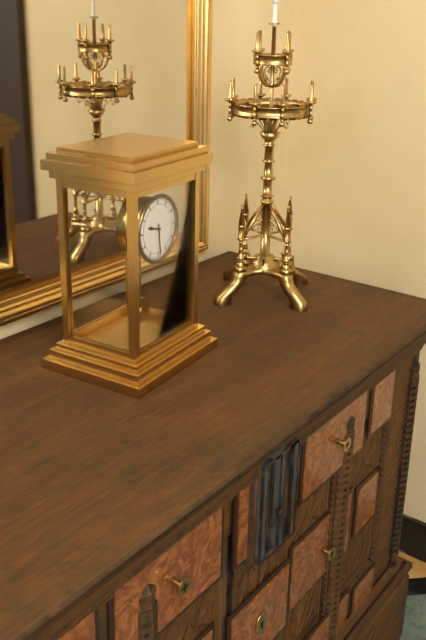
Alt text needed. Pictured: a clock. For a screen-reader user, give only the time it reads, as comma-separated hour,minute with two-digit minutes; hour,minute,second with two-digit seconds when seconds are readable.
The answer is 9,29
